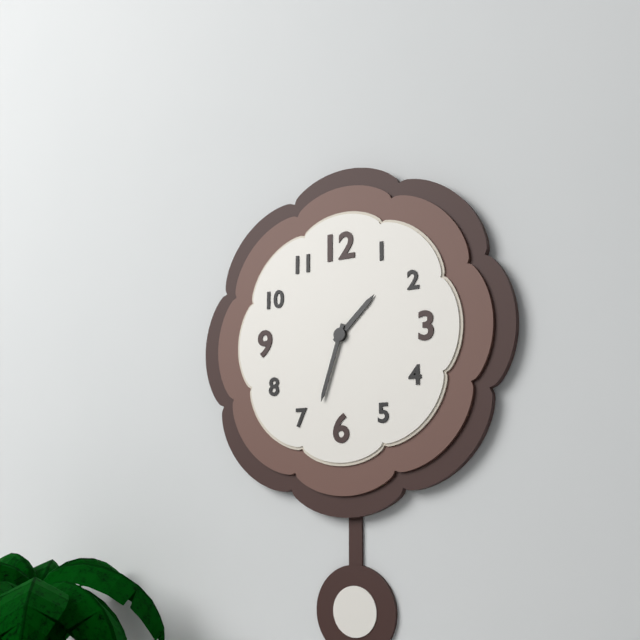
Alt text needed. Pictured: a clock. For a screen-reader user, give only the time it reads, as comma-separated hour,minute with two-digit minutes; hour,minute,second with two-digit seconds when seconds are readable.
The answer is 1,33
